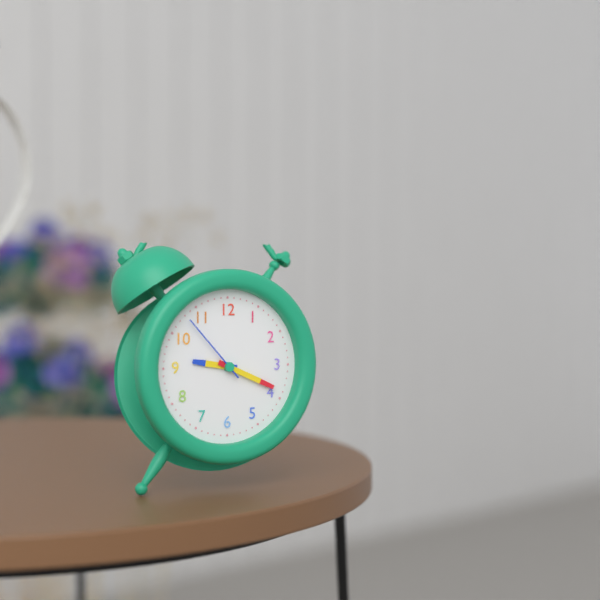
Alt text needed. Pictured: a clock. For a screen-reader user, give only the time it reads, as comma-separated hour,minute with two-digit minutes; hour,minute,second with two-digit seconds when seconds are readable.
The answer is 9,19,53
